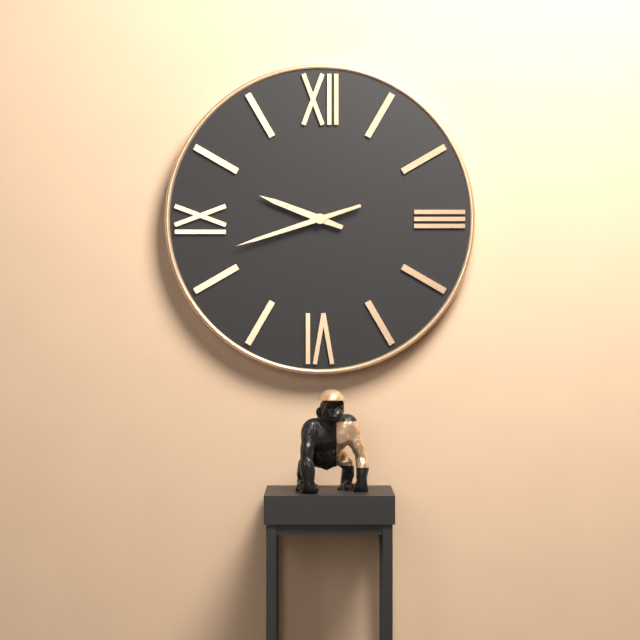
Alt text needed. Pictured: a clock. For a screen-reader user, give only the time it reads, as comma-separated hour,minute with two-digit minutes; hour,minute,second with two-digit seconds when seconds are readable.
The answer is 9,42
